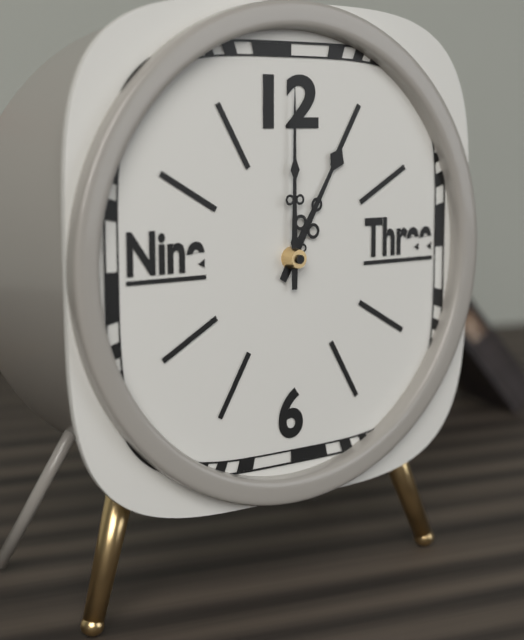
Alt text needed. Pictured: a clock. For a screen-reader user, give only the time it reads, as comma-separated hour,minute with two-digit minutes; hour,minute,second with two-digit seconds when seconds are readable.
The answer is 1,00
